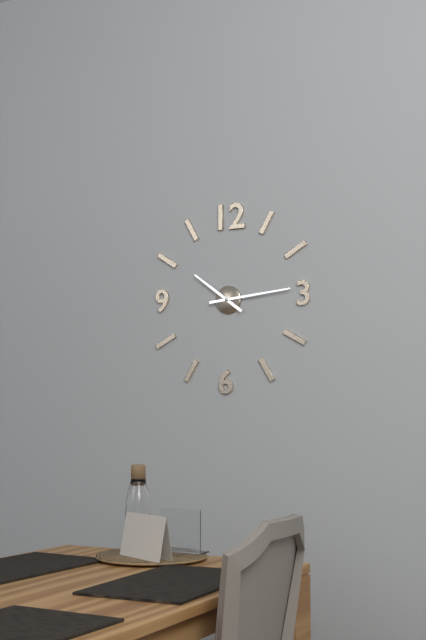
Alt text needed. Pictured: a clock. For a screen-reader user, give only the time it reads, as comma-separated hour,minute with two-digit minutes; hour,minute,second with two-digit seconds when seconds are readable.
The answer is 10,14
